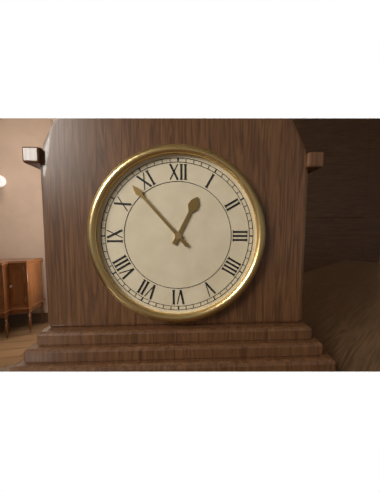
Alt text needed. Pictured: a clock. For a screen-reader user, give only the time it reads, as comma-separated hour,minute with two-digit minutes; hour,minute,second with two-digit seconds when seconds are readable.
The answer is 12,53
